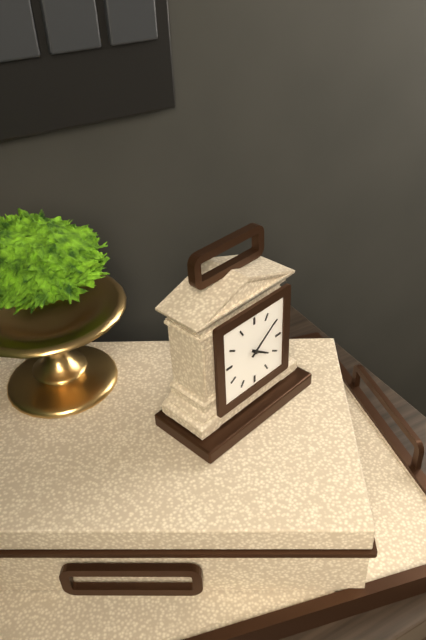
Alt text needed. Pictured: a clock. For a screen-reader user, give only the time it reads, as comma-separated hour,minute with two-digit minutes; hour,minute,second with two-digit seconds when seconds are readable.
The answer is 4,09
